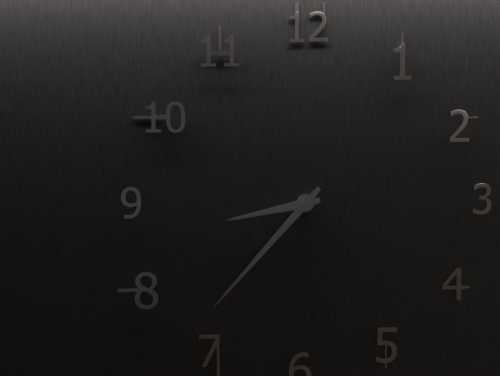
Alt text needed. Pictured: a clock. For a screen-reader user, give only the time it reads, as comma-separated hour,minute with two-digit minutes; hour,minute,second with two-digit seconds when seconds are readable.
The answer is 8,37
